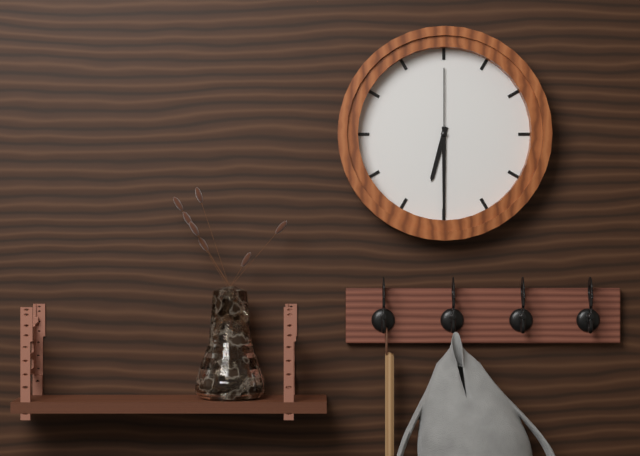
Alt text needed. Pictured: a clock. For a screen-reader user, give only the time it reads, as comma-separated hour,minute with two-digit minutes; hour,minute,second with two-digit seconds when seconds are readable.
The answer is 6,30,00
